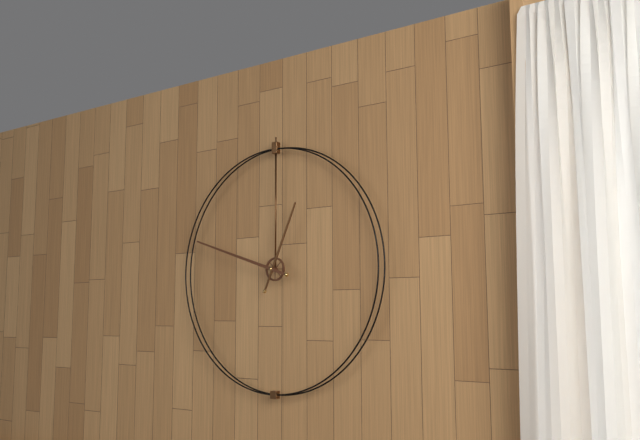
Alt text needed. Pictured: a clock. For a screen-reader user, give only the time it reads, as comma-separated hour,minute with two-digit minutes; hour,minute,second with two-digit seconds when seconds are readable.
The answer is 12,48
